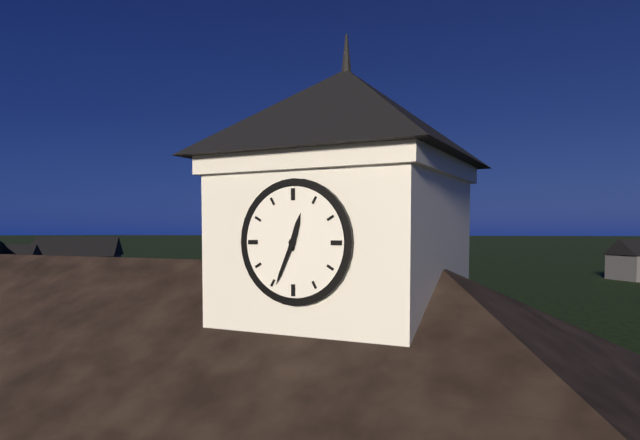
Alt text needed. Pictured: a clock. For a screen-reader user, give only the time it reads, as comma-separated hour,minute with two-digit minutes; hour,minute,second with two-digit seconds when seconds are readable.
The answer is 12,34
